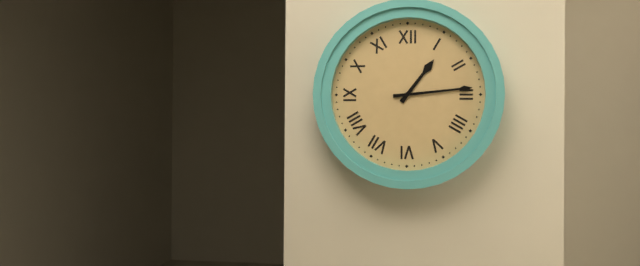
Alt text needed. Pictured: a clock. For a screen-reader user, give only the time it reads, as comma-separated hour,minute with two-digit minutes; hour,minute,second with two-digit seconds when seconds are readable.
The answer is 1,14
